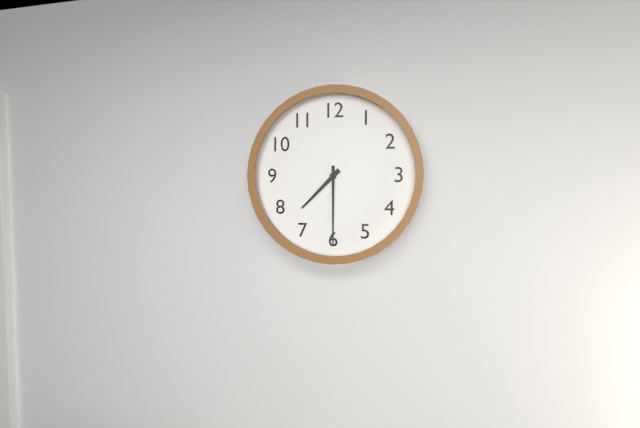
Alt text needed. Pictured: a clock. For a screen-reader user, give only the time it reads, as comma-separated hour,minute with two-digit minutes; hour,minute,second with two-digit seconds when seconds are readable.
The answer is 7,30
